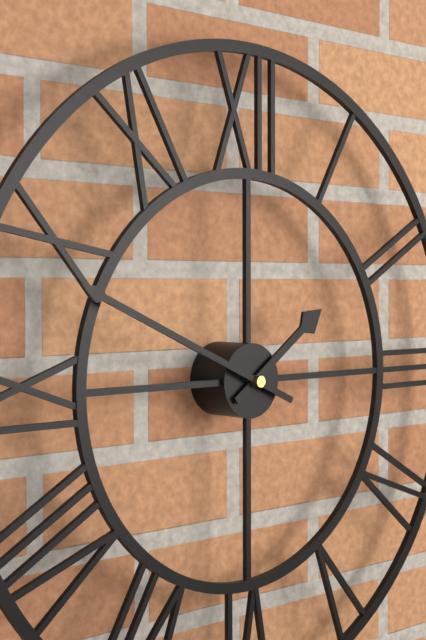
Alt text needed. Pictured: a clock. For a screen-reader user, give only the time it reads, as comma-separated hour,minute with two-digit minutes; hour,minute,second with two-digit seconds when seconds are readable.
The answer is 1,49
